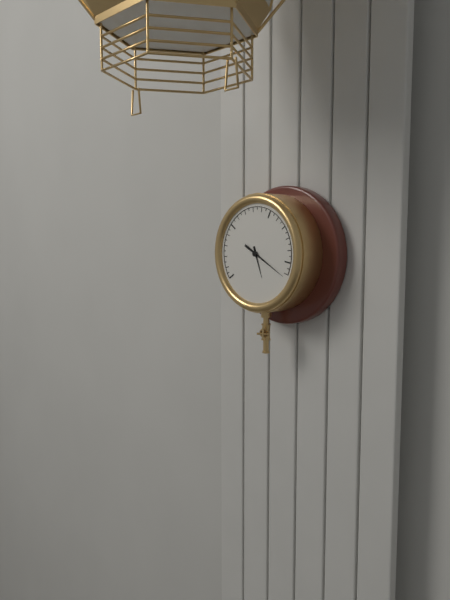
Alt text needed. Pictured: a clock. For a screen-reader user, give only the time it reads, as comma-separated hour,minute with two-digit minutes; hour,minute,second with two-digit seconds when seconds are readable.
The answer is 5,20
